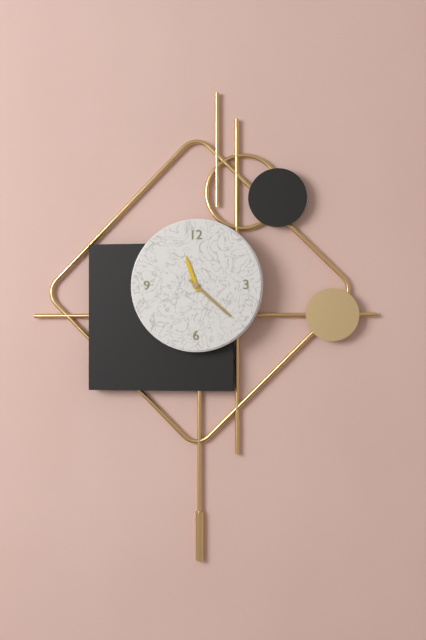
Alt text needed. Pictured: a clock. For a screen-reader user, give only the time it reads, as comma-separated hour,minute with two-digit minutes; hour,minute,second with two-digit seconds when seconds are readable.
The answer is 11,22
